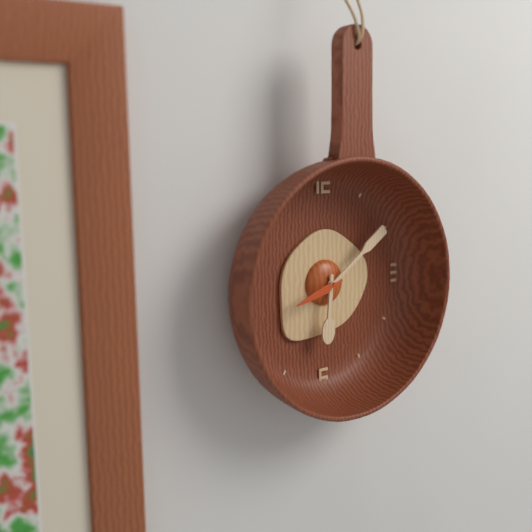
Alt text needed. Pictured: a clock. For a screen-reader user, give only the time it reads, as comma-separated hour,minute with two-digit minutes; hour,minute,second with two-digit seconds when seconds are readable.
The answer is 6,09,42
